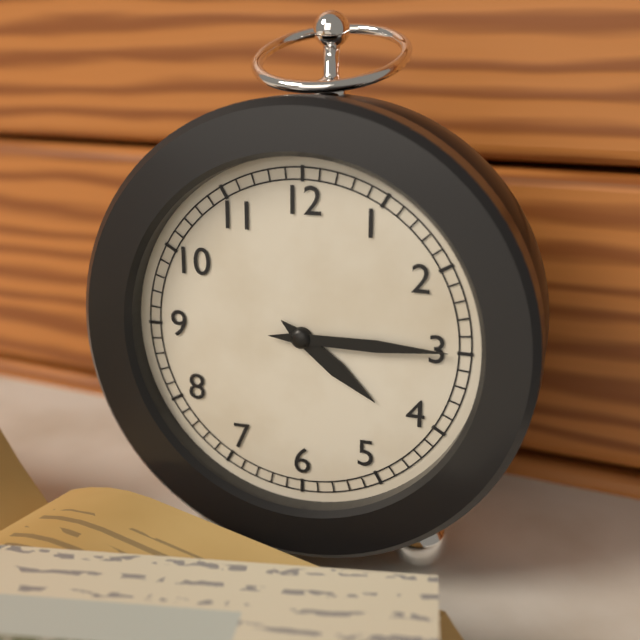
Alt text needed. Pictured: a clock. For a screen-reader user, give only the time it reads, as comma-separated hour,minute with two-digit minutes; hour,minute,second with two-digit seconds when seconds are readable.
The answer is 4,15
